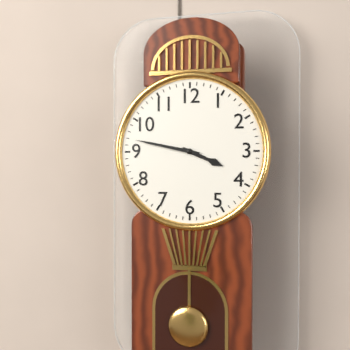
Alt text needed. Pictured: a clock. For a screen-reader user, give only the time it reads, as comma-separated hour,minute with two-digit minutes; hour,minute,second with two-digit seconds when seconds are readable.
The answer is 3,47
